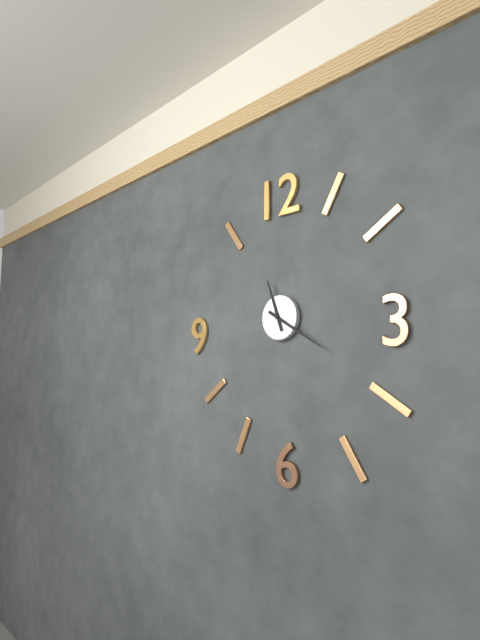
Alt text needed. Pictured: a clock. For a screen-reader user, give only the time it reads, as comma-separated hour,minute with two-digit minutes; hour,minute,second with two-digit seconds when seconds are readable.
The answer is 11,20
